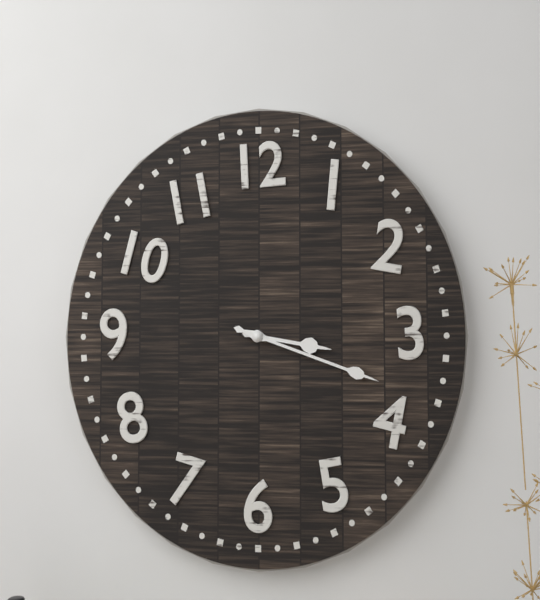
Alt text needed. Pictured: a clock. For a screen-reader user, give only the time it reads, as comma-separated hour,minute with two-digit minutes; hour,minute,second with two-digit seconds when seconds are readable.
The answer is 3,18
